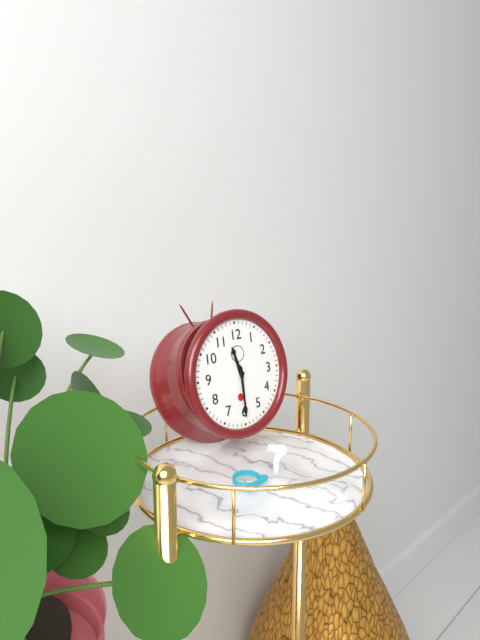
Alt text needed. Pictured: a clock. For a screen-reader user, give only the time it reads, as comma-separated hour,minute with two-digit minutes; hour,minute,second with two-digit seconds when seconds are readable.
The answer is 11,30
